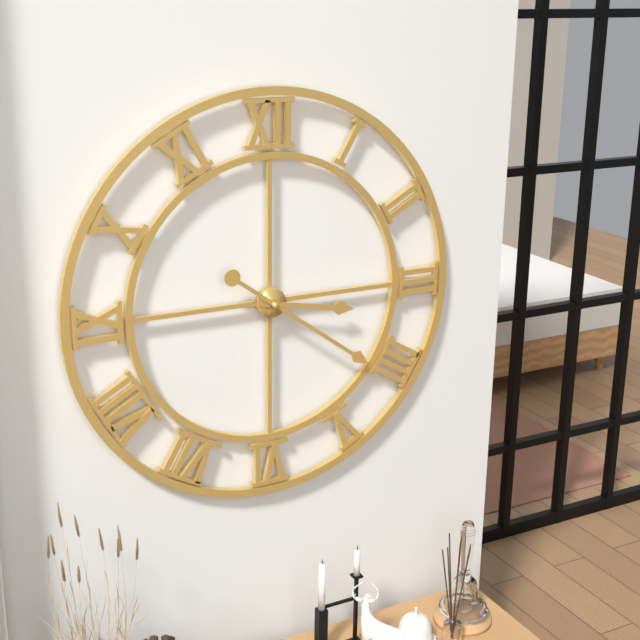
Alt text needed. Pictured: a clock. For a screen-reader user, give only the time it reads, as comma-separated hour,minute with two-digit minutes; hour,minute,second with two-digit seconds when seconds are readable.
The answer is 3,21
